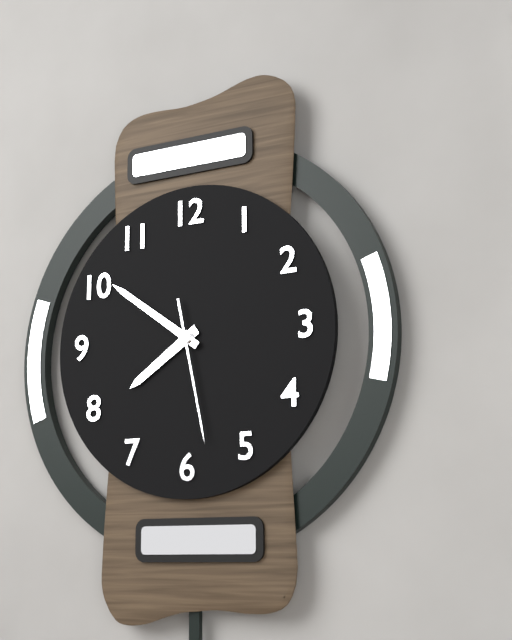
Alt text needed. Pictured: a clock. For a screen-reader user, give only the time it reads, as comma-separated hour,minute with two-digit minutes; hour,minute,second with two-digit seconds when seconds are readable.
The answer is 7,51,28
